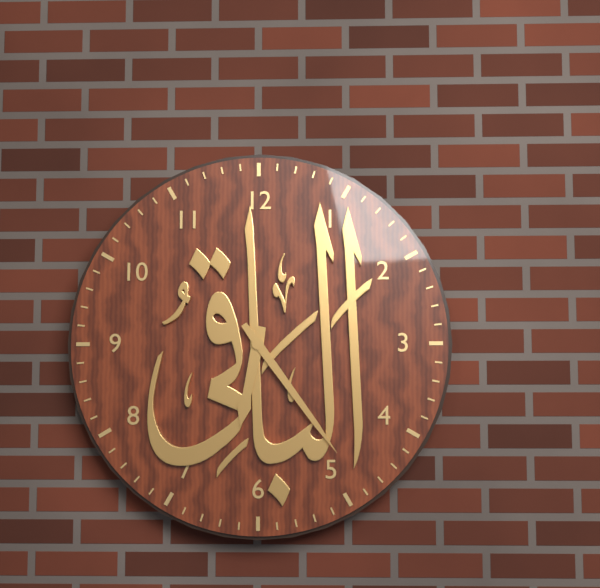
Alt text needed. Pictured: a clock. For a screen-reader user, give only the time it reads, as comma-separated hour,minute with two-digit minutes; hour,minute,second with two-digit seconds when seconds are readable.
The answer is 6,24
